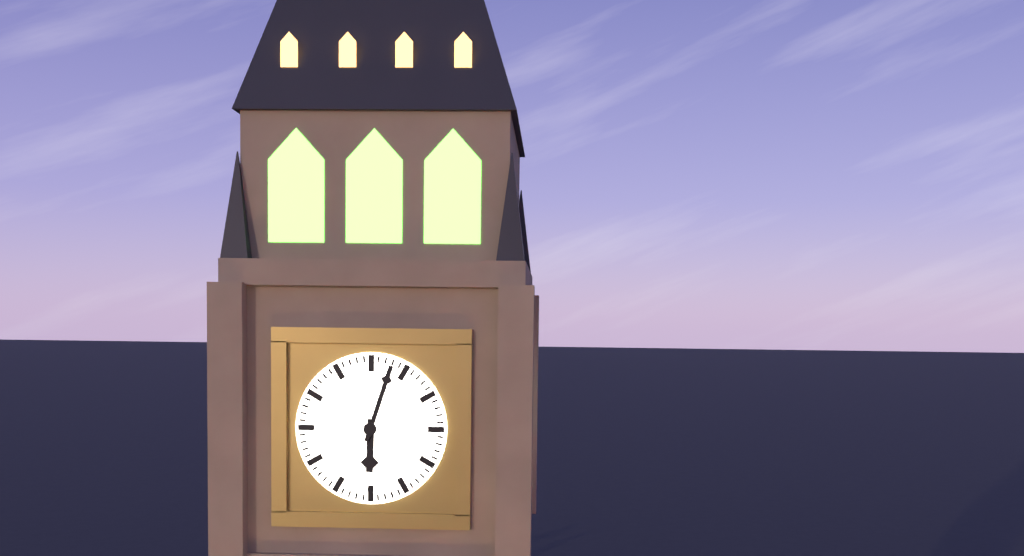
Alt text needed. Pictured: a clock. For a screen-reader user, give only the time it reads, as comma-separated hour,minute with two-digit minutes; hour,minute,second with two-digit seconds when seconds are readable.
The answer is 6,03
